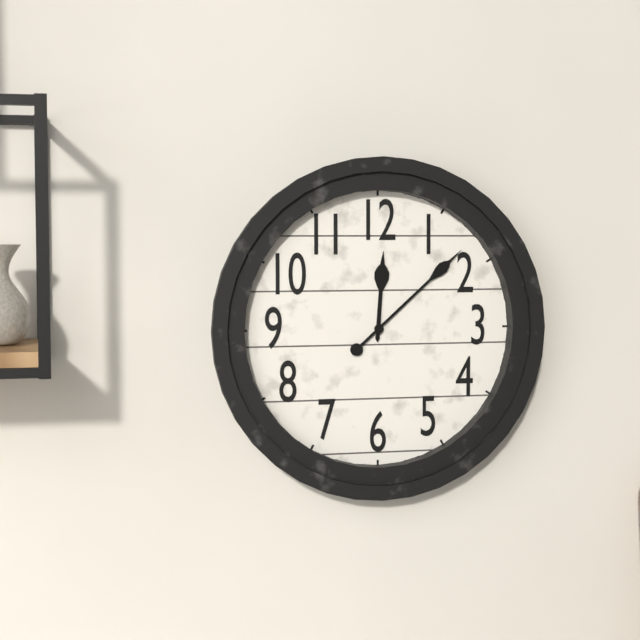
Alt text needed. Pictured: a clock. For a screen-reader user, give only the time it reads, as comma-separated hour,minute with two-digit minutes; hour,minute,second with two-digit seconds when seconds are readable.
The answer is 12,08
